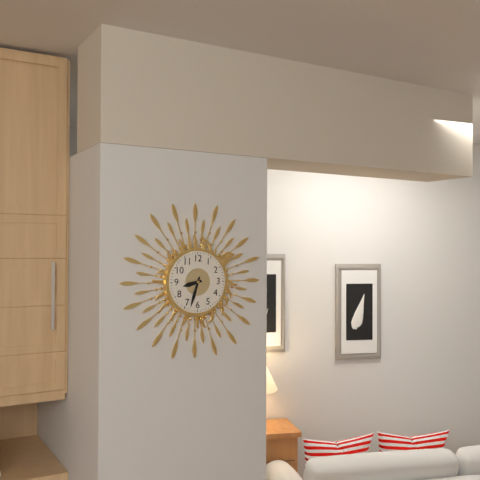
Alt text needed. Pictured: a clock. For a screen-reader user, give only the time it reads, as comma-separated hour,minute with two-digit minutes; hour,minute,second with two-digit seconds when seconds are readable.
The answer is 8,33
